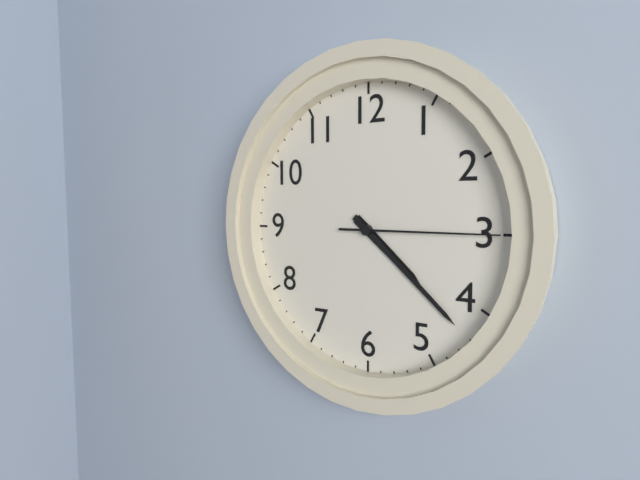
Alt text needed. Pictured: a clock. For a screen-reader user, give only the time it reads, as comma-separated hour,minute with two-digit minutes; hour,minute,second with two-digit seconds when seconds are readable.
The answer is 4,22,15
